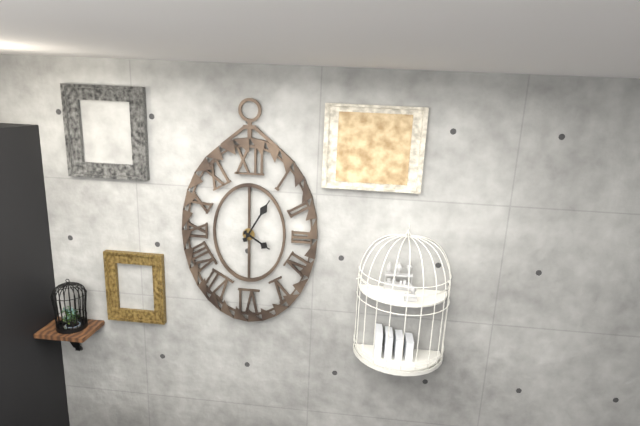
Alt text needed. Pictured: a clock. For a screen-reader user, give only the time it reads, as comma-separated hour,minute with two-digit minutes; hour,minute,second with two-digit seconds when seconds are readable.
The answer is 4,05
